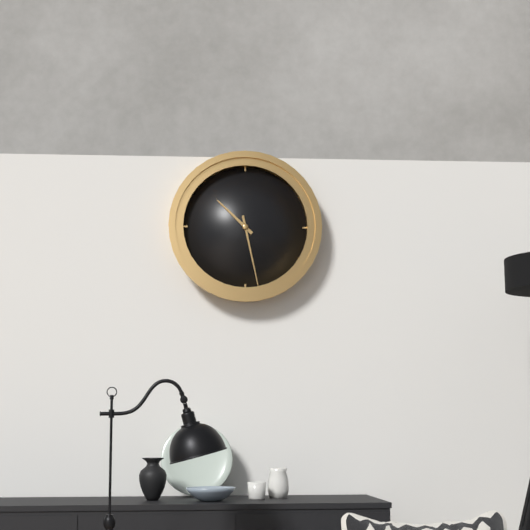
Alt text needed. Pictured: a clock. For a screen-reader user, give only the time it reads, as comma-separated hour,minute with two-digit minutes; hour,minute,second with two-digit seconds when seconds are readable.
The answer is 10,28
